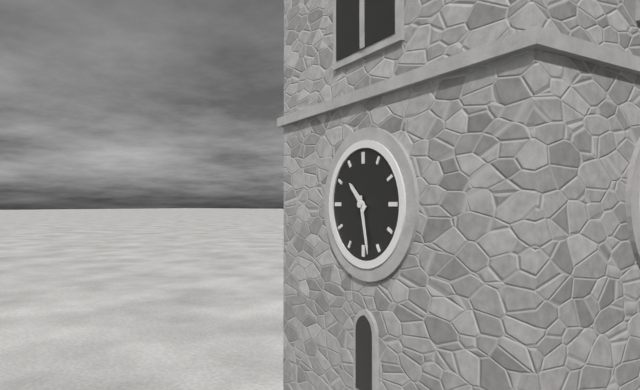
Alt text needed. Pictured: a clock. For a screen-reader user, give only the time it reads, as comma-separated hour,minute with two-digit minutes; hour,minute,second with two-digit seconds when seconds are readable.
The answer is 10,28
